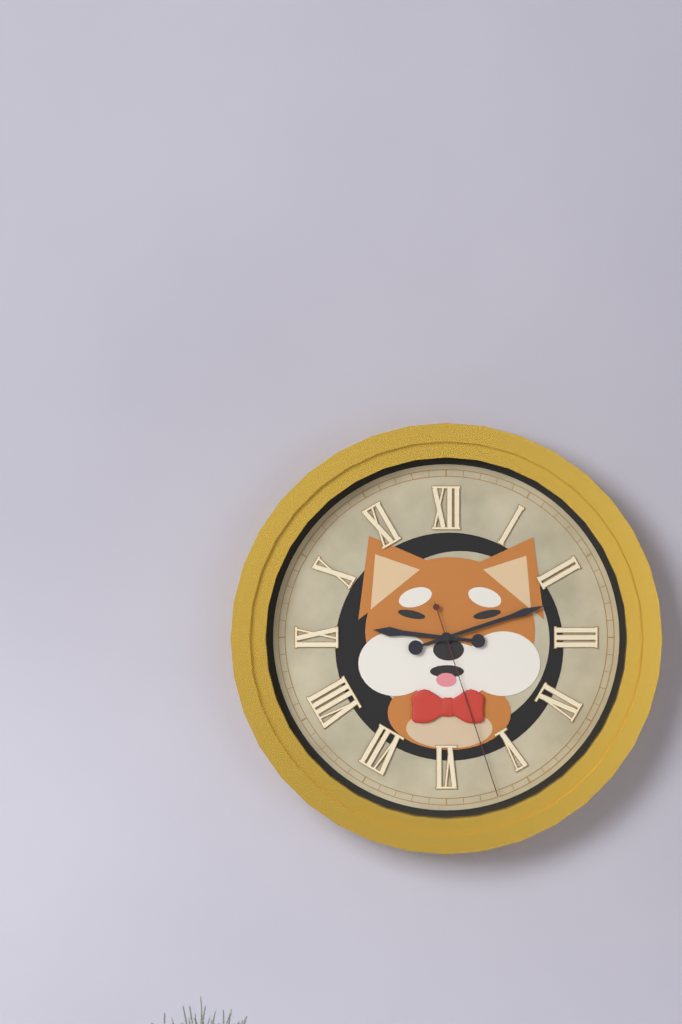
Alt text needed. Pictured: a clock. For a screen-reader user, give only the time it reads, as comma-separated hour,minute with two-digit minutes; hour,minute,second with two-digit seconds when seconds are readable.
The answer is 9,12,27
